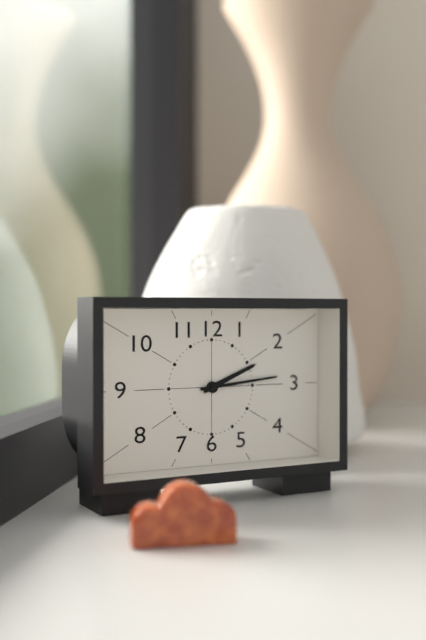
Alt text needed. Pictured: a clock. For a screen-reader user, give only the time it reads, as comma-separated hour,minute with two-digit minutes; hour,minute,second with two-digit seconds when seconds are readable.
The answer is 2,14
